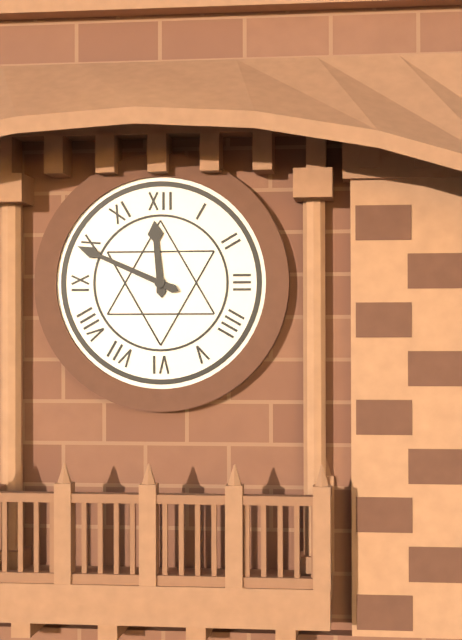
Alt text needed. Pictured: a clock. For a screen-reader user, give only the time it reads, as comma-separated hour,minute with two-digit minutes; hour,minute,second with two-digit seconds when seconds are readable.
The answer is 11,49
